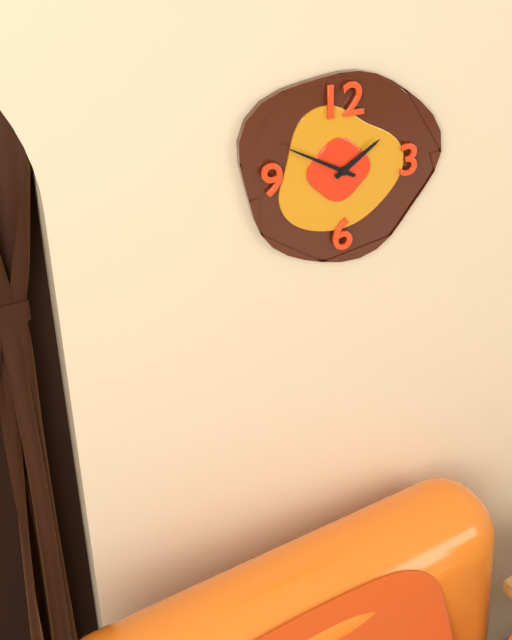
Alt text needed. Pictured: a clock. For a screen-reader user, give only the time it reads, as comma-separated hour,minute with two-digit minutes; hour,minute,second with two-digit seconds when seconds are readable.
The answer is 1,50
